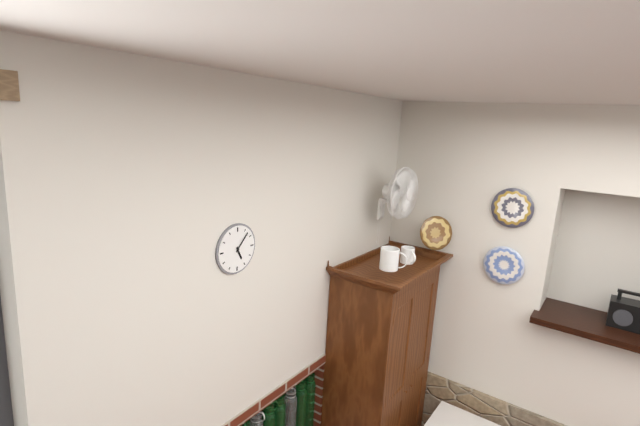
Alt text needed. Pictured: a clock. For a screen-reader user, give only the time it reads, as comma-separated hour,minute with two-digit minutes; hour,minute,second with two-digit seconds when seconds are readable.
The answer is 5,07
